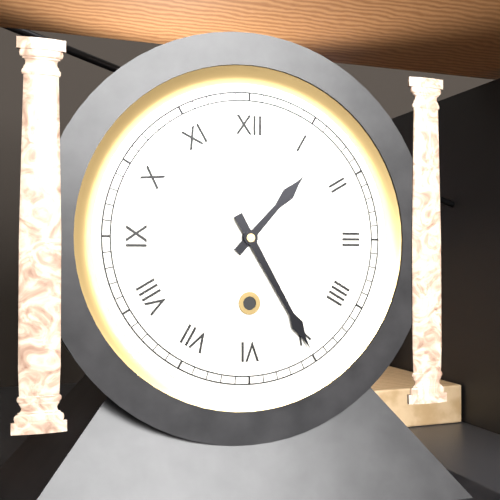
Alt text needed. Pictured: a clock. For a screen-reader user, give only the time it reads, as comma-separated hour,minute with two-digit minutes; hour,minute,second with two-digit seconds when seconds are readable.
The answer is 1,25
